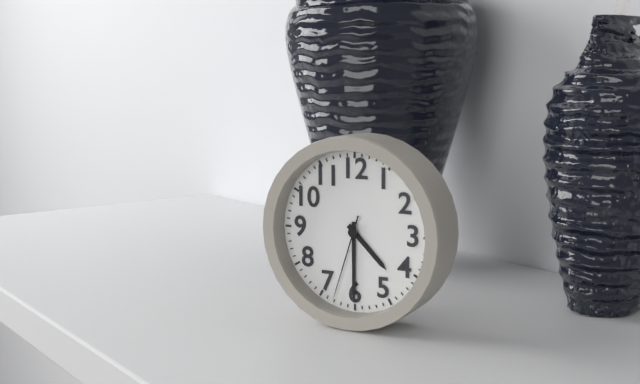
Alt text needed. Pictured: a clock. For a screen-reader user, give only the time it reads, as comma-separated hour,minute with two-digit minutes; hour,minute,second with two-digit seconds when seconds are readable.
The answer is 4,30,33
